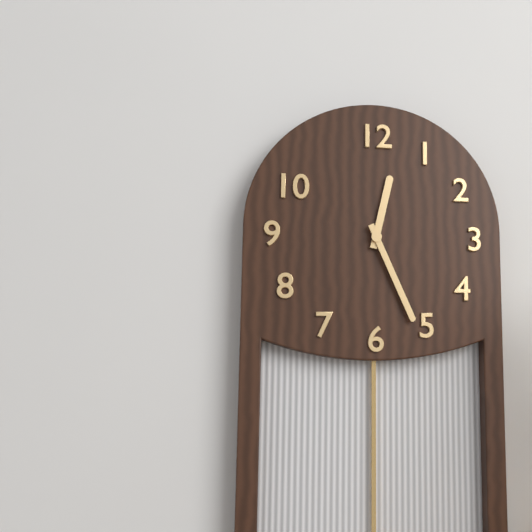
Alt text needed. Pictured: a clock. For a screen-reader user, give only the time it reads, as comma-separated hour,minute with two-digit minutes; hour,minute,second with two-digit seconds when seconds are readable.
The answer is 12,26
